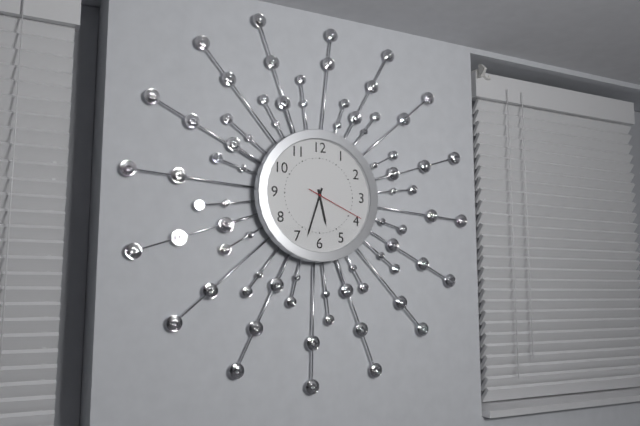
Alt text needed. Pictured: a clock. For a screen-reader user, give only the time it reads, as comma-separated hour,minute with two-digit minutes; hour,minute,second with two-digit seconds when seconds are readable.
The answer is 5,33,19
